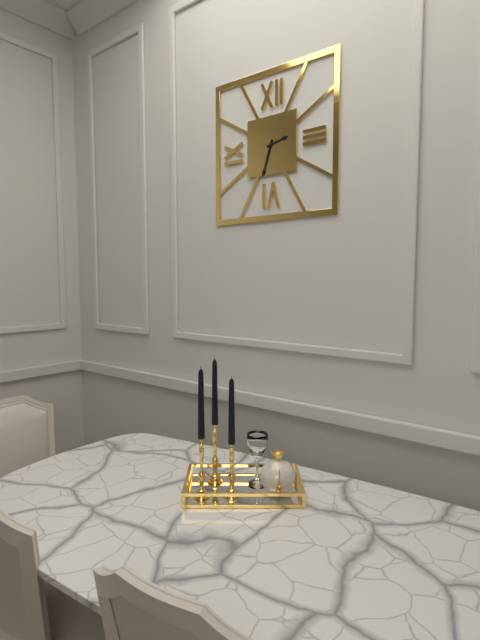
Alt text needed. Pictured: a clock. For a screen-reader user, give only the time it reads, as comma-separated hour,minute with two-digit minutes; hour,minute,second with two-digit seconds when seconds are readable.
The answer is 2,33
